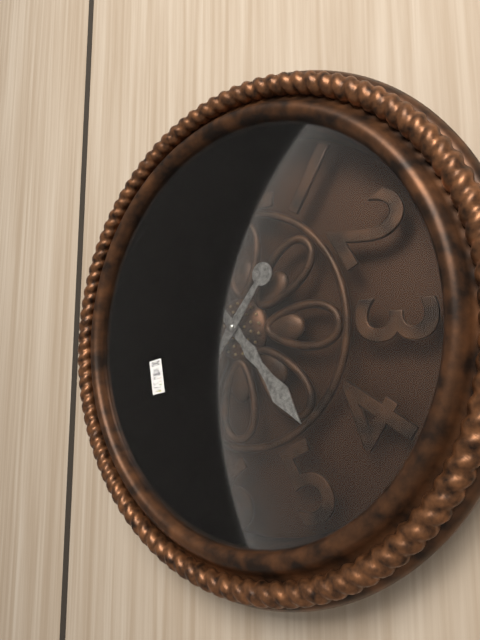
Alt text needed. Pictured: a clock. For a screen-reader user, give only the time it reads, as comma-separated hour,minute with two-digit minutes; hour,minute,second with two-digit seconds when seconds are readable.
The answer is 4,36
